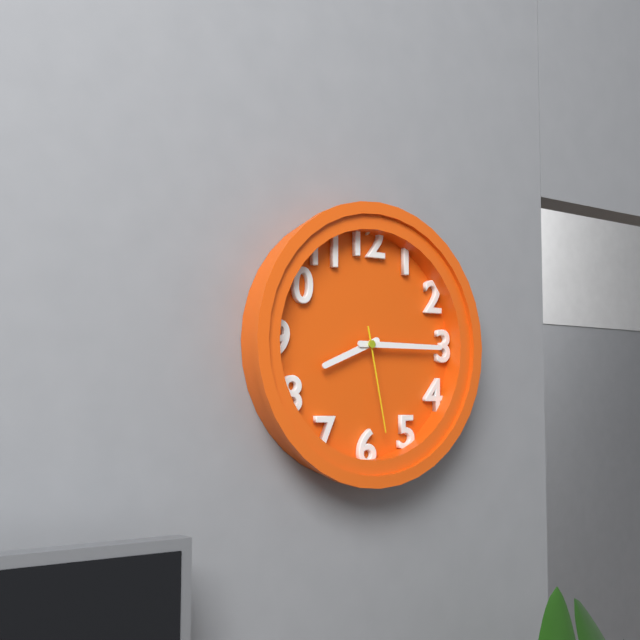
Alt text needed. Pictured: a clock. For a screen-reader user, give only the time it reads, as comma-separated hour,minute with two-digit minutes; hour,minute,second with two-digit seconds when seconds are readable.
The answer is 8,15,28
